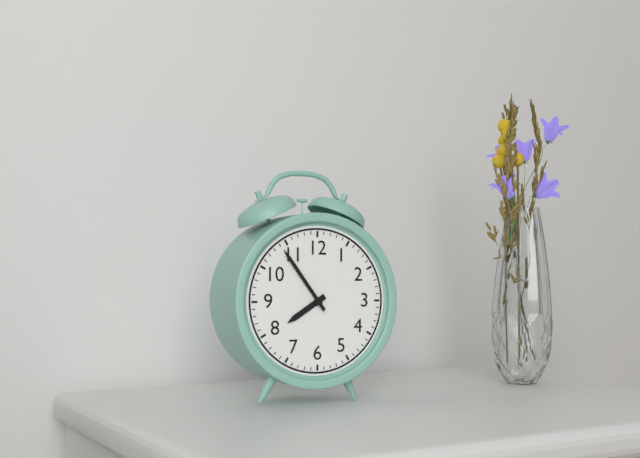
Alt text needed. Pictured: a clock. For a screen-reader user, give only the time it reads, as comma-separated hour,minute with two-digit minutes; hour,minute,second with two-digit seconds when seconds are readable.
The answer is 7,54
